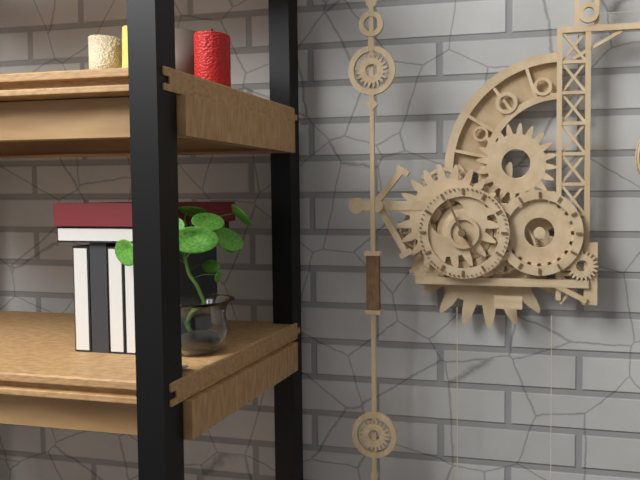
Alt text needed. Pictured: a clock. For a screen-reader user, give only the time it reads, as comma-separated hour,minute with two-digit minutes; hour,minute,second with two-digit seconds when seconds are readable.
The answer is 4,56
